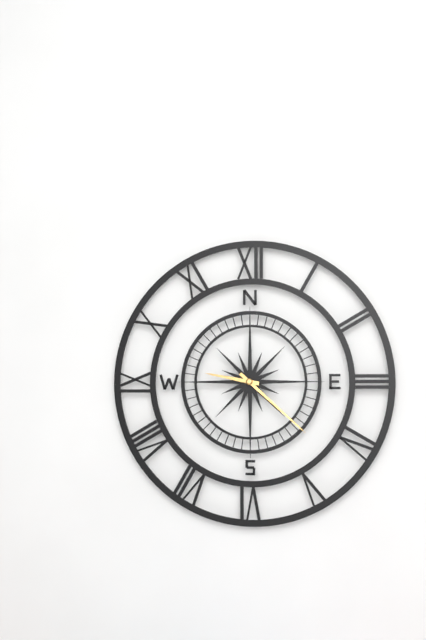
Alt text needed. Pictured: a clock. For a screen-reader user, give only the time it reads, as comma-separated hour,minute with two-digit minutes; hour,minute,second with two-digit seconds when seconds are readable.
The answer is 9,22
